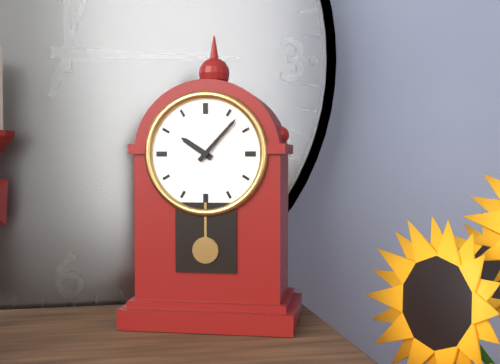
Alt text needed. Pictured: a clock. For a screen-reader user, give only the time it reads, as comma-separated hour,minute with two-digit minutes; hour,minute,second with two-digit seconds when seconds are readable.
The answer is 10,07
